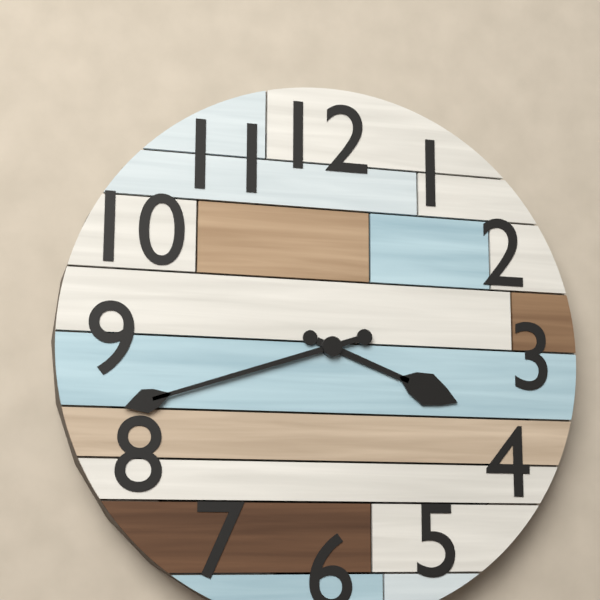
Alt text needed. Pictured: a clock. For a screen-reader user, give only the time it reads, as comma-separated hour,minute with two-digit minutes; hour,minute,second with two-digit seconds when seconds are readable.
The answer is 3,42
